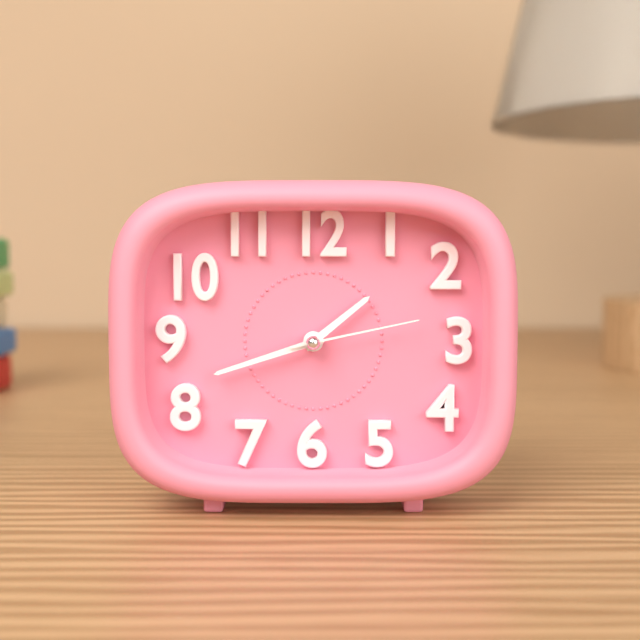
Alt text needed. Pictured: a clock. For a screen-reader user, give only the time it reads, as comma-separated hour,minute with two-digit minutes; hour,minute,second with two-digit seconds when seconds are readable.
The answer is 1,42,13
